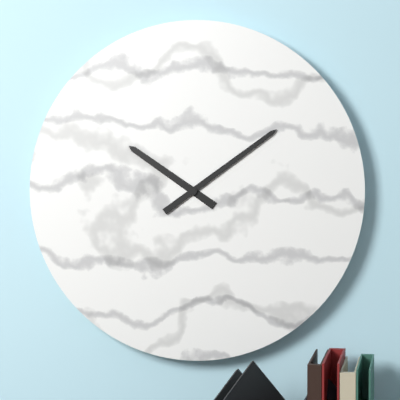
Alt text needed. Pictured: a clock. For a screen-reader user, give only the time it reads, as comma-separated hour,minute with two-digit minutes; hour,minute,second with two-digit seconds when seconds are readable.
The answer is 10,09
